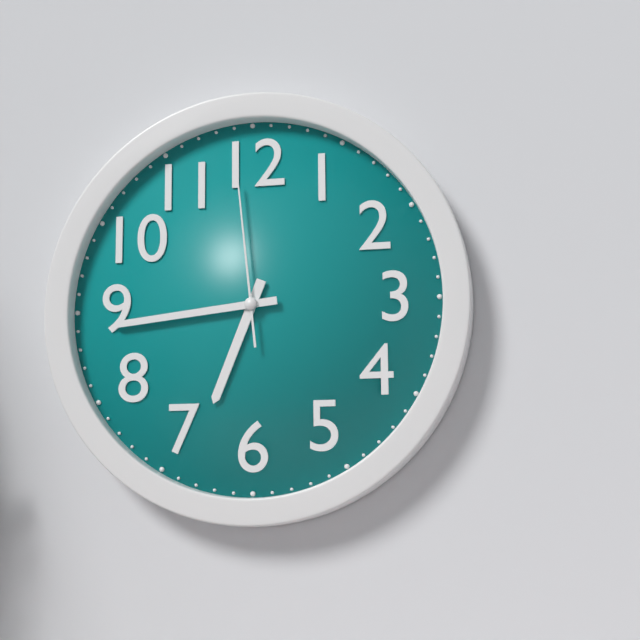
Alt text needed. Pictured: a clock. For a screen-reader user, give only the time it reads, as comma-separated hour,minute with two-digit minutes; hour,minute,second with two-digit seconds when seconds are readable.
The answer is 6,44,59
